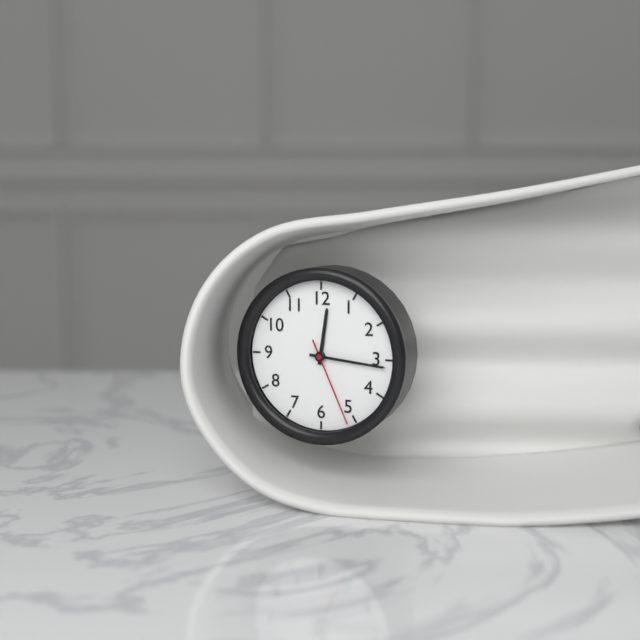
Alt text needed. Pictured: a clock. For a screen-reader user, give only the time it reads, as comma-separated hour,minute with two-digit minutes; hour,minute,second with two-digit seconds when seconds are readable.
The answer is 12,16,26
